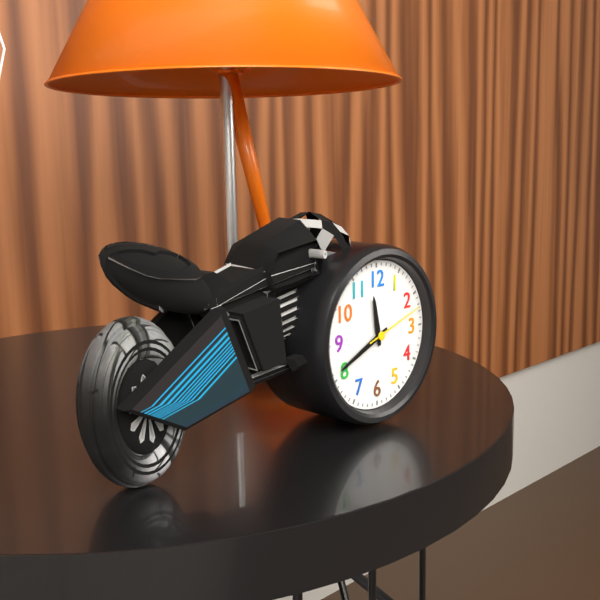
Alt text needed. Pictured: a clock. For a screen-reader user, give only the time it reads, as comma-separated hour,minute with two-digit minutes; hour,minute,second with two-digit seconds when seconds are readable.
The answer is 11,41,12
